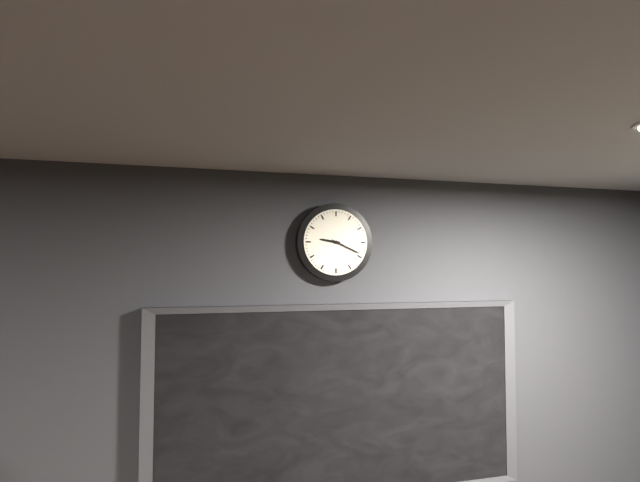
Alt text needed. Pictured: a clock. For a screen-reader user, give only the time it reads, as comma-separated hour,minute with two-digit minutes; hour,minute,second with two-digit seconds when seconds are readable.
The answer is 9,19
